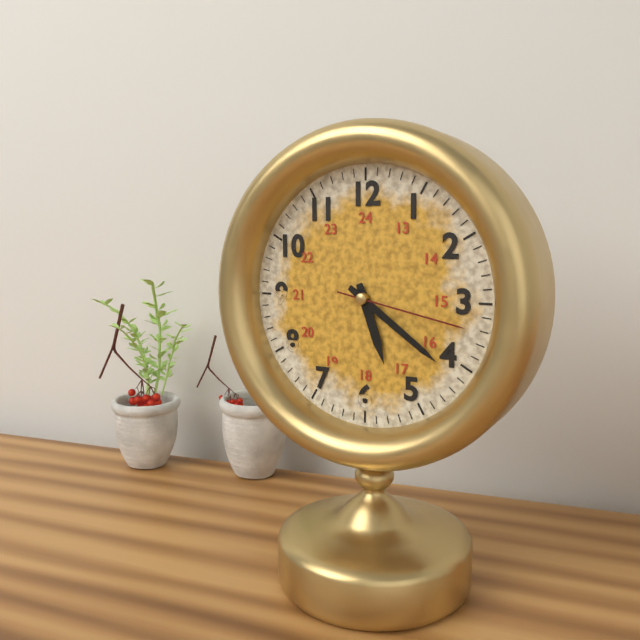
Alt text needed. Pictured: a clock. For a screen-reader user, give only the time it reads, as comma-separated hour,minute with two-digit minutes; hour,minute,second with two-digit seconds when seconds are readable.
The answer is 5,21,17
